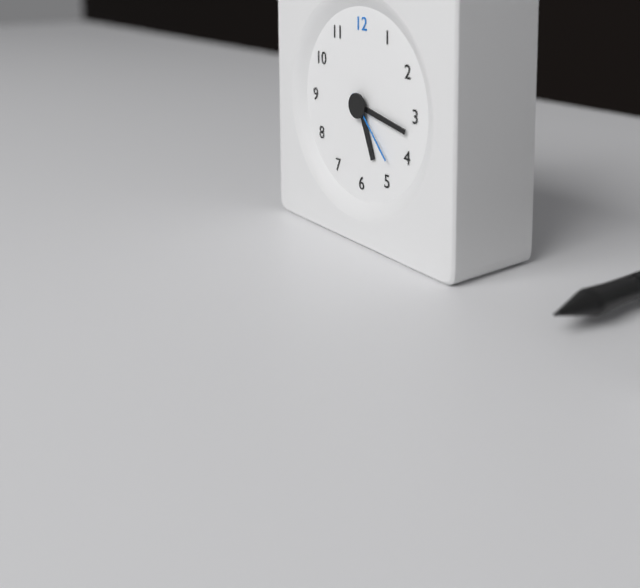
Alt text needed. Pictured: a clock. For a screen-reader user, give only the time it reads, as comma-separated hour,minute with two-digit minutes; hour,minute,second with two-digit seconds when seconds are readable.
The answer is 5,17,23
